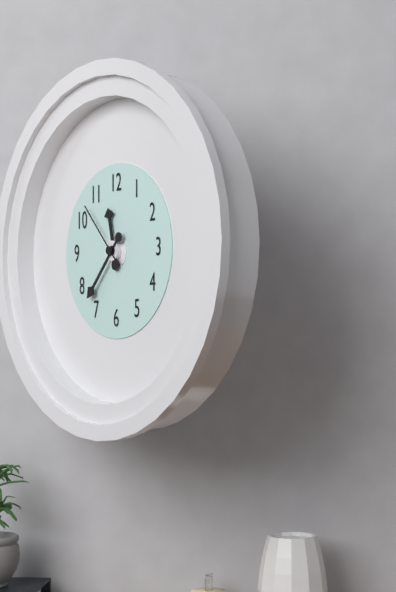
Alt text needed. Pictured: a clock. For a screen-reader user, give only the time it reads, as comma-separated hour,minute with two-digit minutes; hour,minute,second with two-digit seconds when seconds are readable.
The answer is 11,37,53
